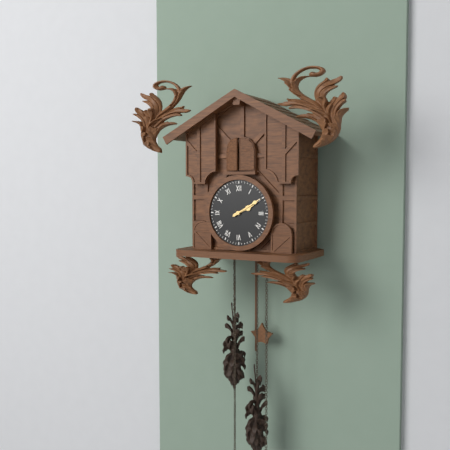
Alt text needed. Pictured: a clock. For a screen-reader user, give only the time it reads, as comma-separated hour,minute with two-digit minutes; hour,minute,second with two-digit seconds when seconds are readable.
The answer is 2,10
